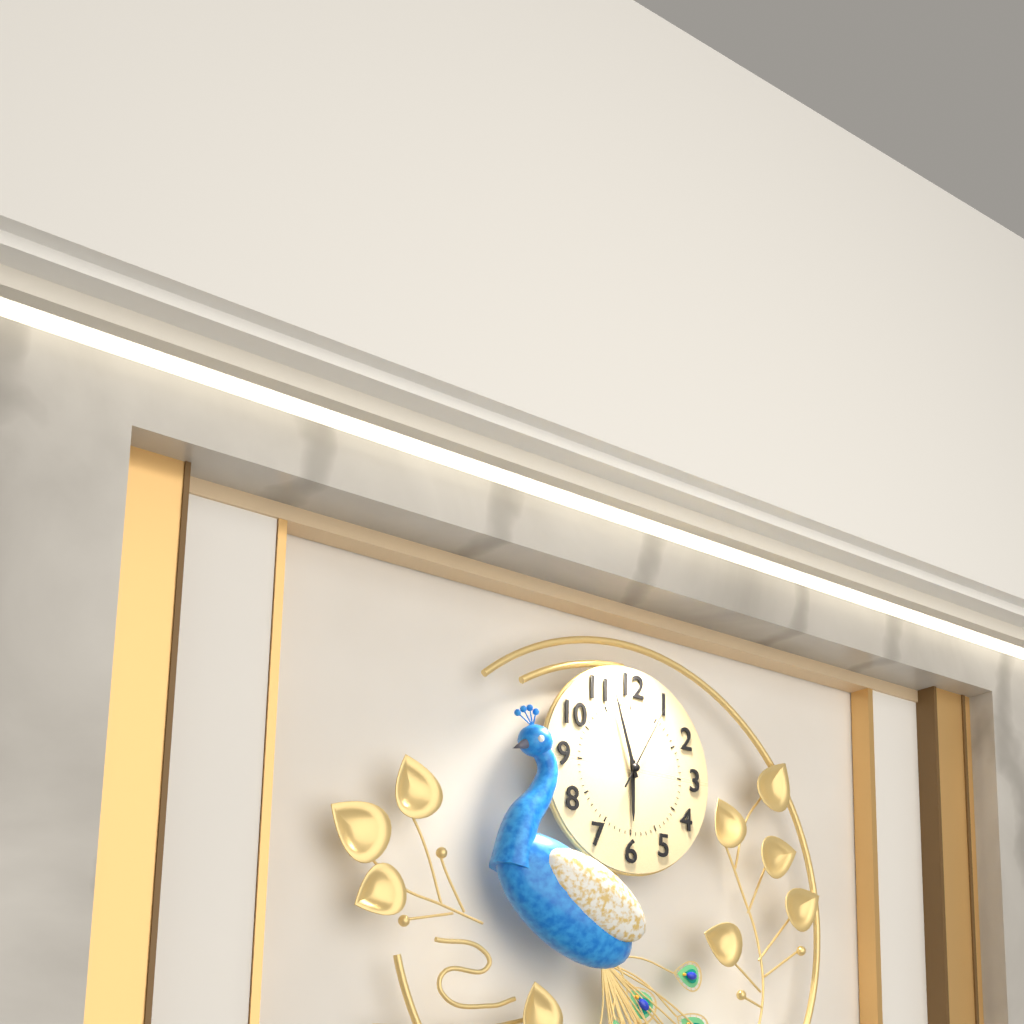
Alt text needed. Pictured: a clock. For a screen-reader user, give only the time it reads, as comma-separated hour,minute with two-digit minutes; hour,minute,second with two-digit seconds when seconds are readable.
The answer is 5,57,05
